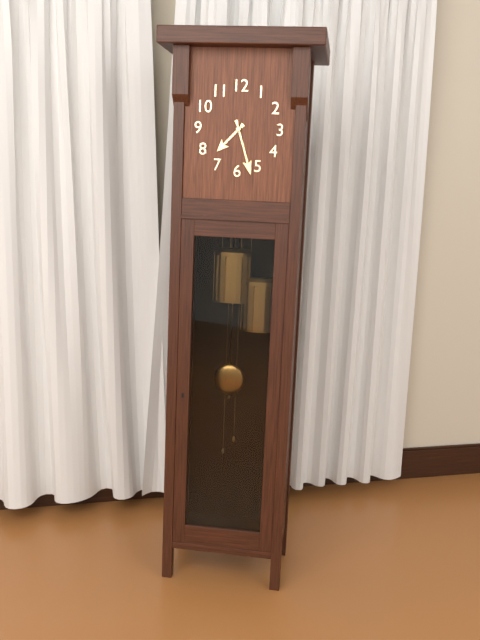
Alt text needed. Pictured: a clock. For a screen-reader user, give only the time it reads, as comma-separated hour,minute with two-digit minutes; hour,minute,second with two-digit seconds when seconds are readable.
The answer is 7,27
